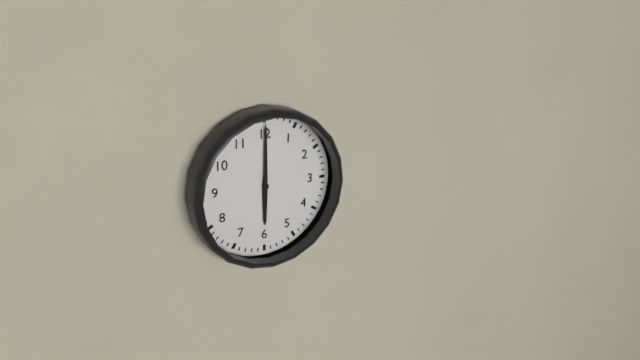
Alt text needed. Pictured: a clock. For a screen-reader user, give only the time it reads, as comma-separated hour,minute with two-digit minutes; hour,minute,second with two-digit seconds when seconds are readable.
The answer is 6,00
